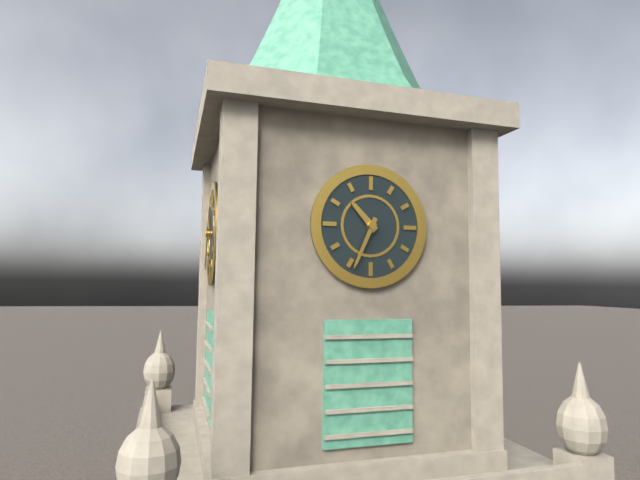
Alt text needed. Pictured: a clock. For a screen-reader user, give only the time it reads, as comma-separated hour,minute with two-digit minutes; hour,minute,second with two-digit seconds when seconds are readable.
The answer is 10,34
